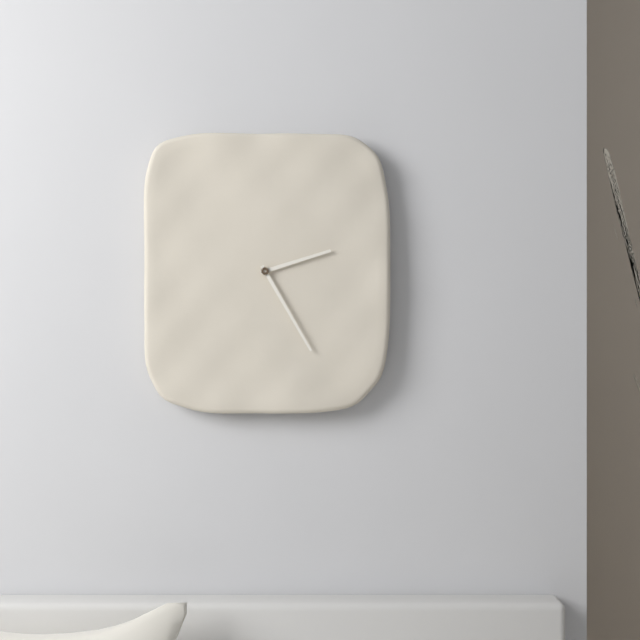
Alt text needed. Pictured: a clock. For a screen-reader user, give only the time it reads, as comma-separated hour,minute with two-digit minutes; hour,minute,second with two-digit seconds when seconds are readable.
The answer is 2,25
